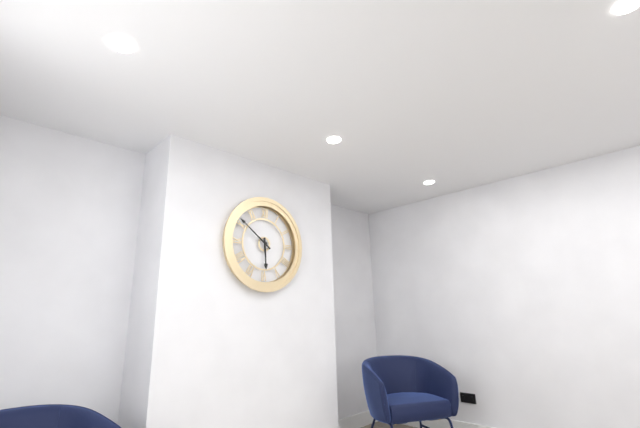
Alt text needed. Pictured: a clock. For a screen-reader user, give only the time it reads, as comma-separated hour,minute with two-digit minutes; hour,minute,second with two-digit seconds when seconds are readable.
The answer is 5,51
